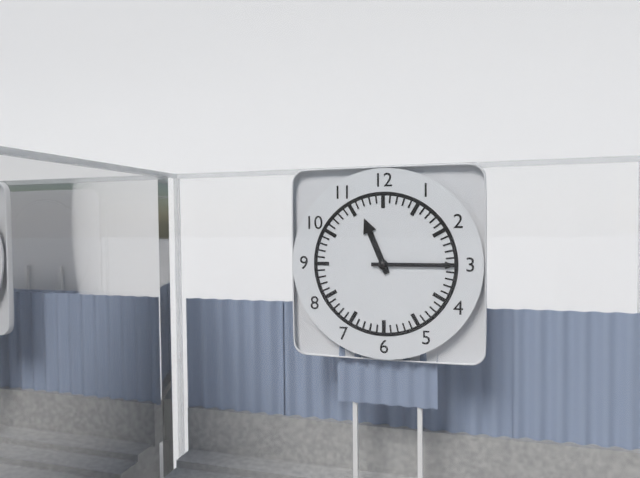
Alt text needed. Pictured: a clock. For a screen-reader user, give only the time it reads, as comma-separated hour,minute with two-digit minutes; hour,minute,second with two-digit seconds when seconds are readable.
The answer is 11,15
